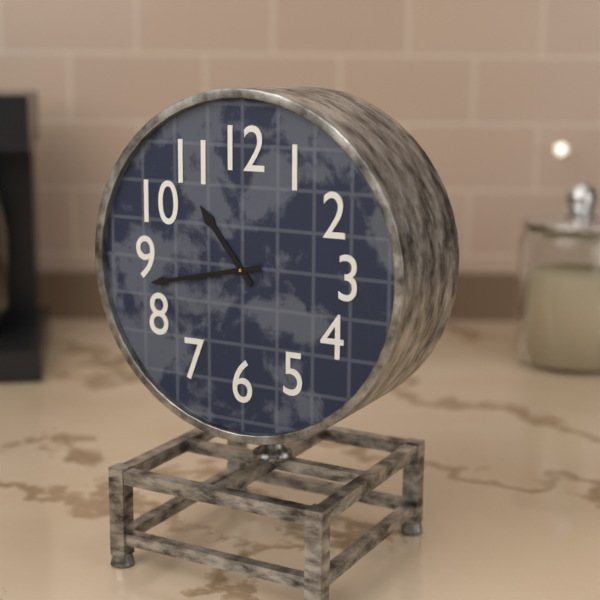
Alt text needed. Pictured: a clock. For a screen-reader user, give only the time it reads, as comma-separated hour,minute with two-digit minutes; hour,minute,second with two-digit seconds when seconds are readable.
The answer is 10,43
